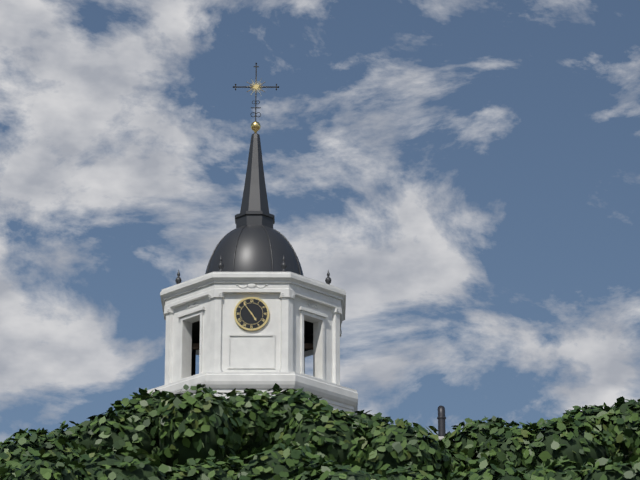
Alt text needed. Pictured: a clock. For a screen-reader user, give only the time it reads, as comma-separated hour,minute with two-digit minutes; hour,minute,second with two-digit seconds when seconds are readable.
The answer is 4,54
